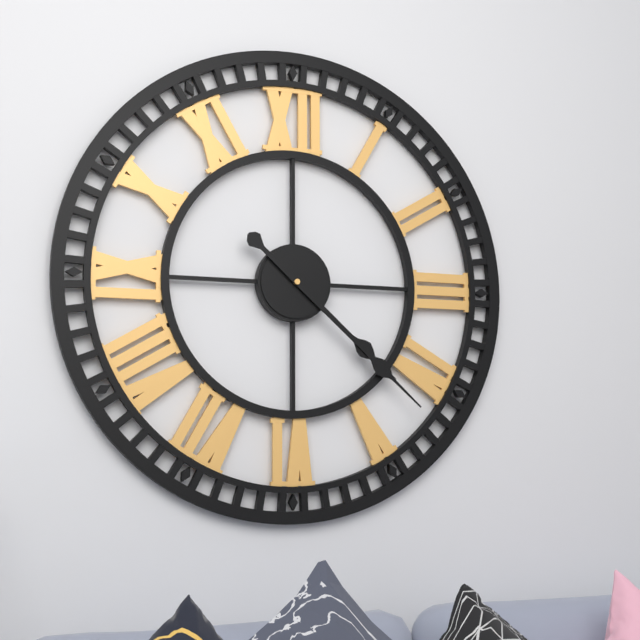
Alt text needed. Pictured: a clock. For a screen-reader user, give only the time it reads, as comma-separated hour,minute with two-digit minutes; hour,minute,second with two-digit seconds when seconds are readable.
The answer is 4,22
